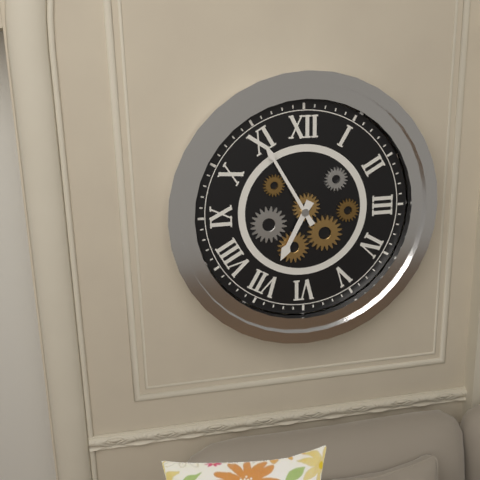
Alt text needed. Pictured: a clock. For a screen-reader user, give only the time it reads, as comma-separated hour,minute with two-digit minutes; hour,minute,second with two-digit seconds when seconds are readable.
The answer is 6,55
